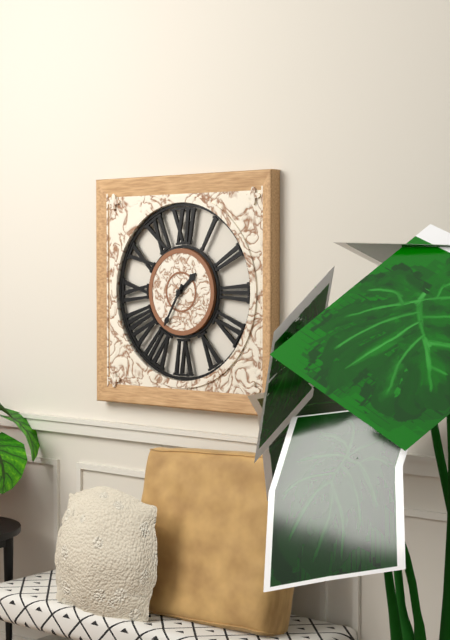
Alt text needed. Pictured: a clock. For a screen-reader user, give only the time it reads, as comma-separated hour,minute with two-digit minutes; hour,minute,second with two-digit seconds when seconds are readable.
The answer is 1,35
